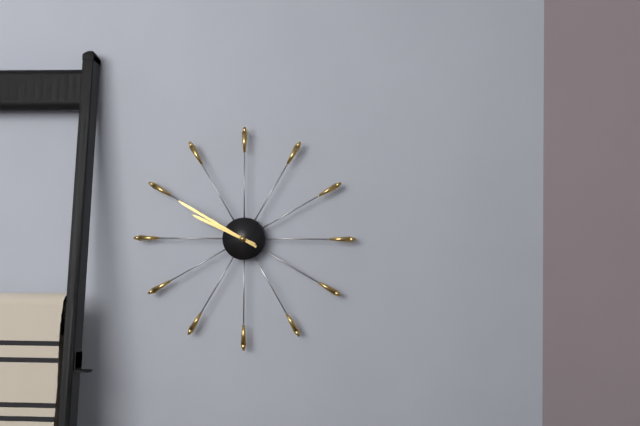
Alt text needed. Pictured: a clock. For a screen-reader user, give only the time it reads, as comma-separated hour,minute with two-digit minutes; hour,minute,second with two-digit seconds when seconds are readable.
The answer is 9,50
